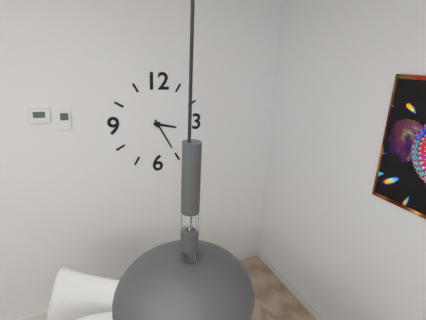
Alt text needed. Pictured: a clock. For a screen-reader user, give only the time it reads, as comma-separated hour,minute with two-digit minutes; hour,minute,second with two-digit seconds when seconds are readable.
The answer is 3,25
